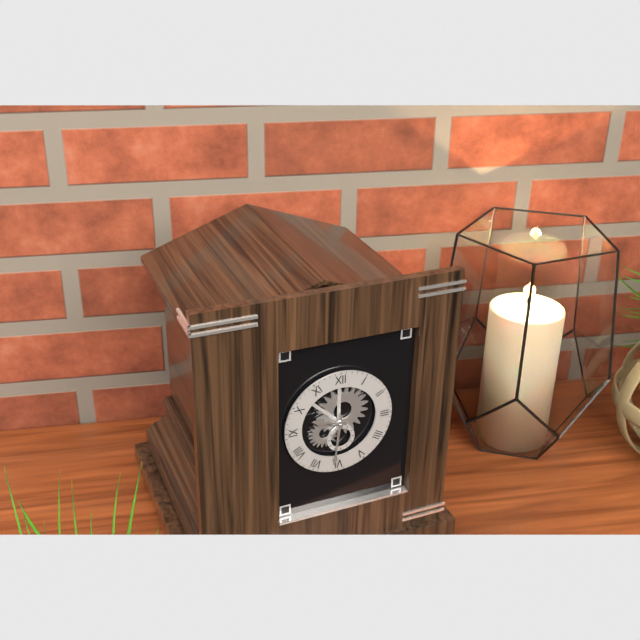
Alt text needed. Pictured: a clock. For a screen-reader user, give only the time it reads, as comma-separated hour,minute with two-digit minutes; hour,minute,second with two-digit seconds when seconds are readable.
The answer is 9,31
